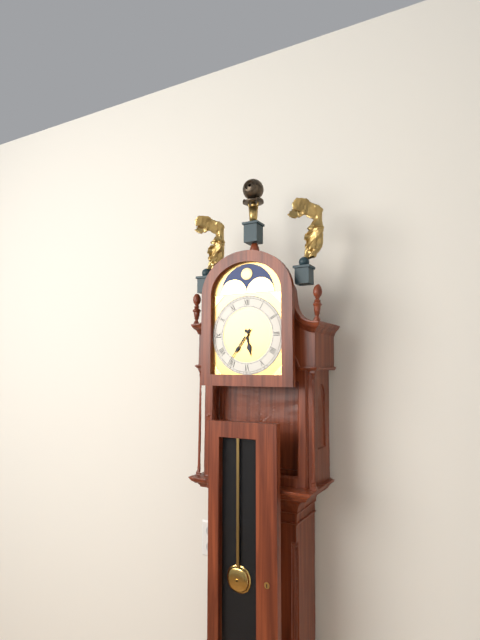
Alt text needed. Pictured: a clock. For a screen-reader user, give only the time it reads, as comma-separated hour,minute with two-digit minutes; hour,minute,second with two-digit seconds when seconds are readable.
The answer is 5,36
